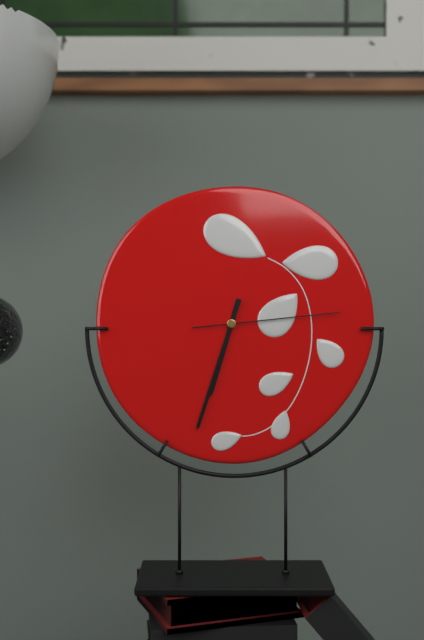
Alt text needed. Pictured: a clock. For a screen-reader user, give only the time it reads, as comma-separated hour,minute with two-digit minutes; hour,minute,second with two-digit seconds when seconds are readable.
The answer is 6,33,14
